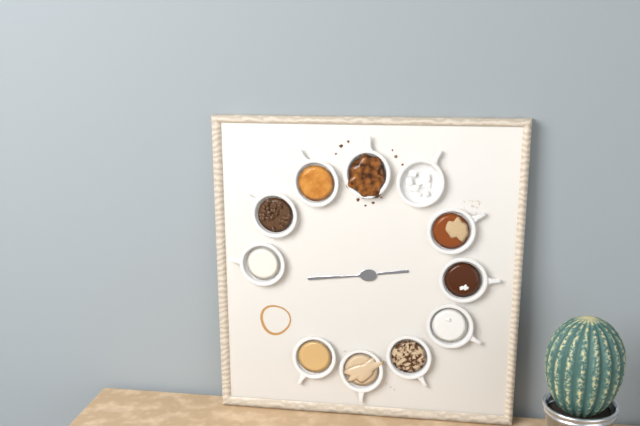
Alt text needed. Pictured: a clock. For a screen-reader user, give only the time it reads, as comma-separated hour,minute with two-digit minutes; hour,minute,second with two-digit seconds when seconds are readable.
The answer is 2,44
